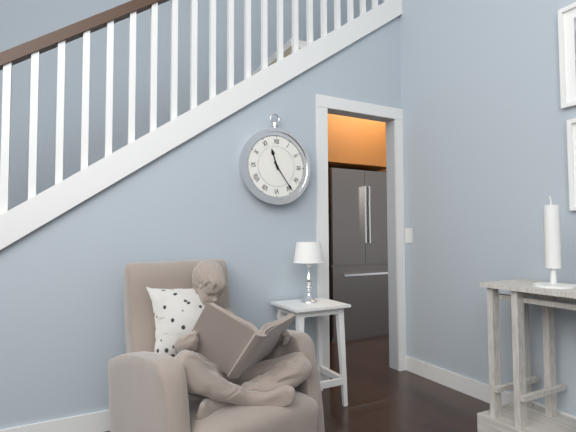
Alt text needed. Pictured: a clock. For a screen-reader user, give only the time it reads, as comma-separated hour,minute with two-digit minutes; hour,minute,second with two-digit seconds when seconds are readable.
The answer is 11,24
